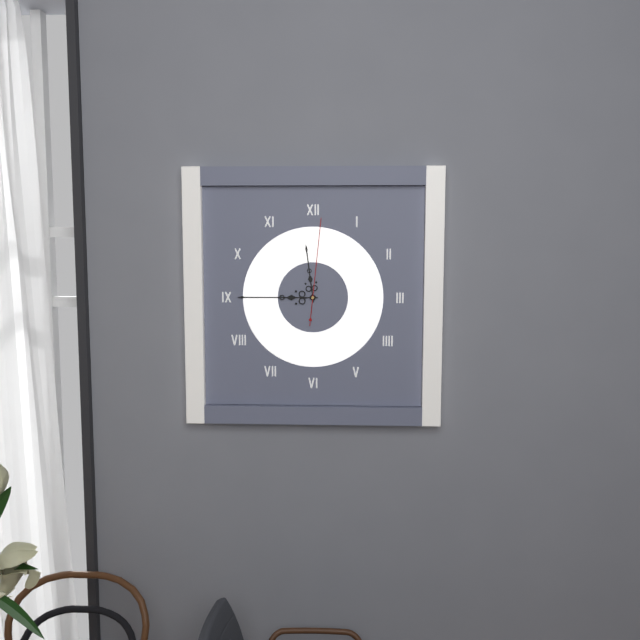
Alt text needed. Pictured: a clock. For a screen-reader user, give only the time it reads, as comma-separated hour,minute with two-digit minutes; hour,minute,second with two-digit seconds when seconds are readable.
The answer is 11,45,01
